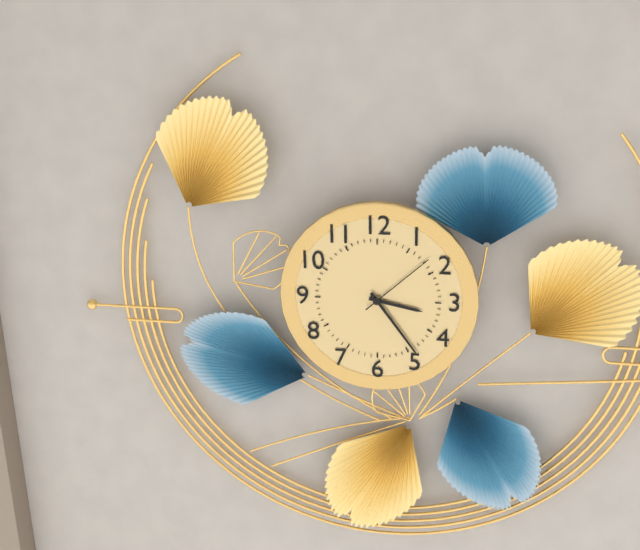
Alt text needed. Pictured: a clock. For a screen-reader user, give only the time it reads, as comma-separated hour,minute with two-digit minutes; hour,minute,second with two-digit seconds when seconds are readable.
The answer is 3,24,08
